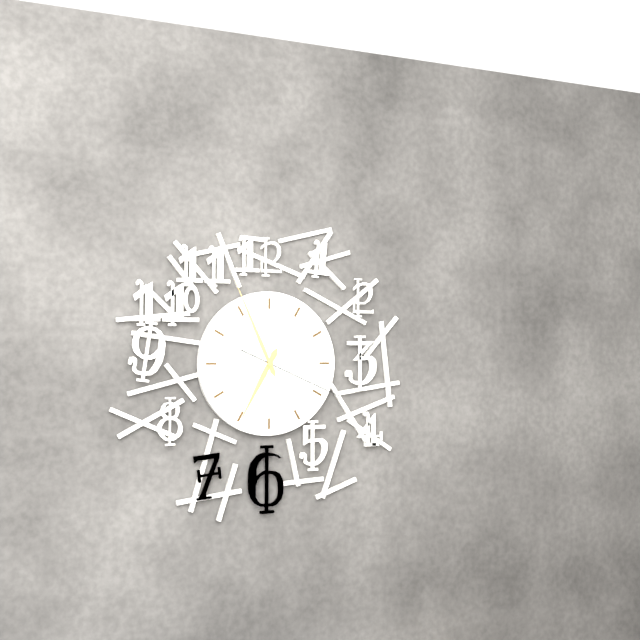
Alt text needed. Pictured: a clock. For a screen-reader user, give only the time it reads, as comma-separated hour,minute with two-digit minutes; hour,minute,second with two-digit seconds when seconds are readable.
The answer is 6,56,19
